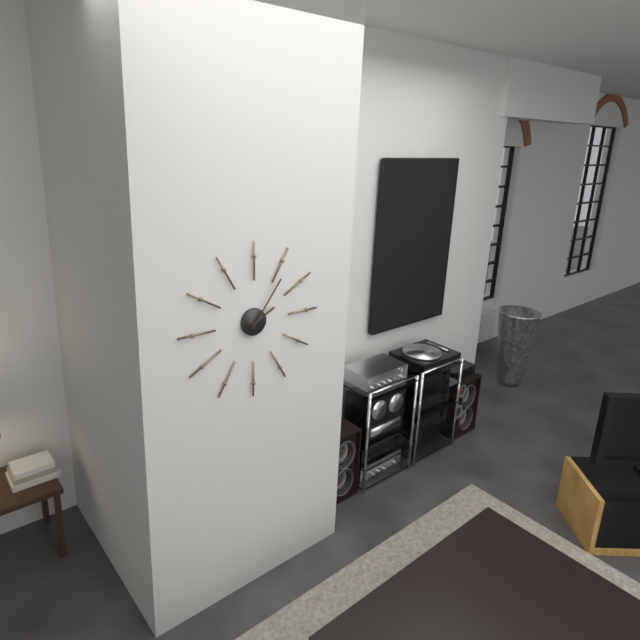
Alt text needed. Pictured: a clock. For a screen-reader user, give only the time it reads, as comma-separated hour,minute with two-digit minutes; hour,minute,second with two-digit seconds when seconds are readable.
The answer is 2,06
